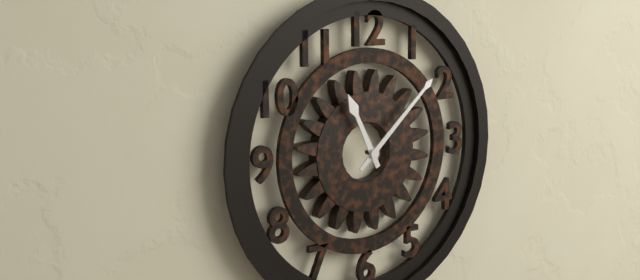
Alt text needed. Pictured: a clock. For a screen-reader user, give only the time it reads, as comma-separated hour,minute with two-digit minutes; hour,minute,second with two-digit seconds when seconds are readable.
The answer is 11,08
